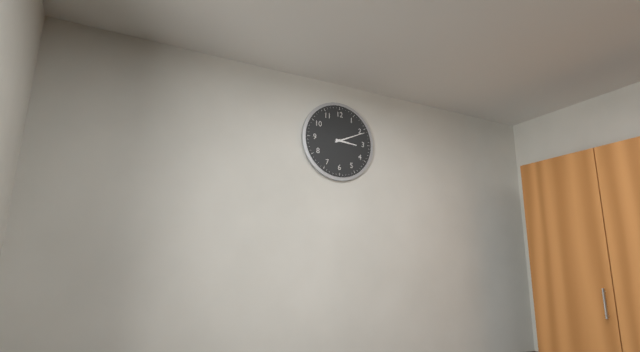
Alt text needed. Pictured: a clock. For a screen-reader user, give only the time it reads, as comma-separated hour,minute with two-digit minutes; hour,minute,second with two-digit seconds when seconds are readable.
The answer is 3,11
